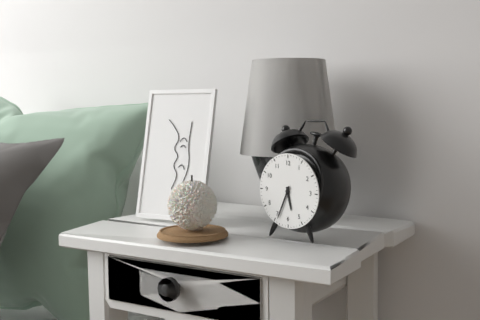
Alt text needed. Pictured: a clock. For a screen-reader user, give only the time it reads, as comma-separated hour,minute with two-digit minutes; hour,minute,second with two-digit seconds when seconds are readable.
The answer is 5,34
